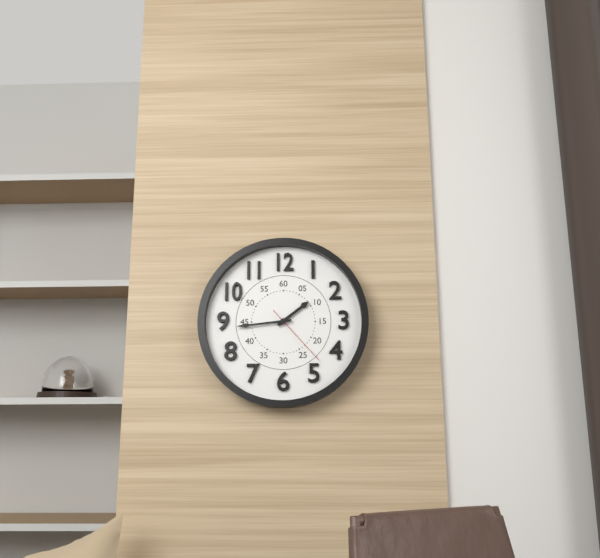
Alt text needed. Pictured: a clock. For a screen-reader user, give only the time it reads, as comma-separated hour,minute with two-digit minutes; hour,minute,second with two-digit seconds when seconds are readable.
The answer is 1,44,23
